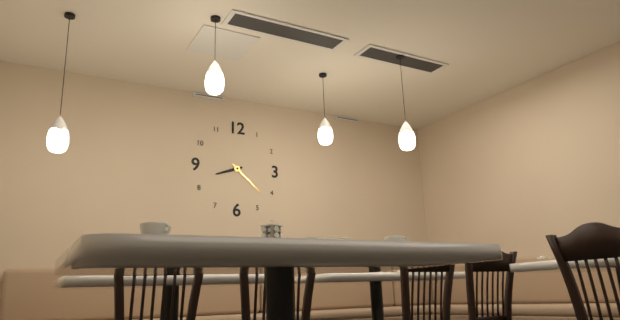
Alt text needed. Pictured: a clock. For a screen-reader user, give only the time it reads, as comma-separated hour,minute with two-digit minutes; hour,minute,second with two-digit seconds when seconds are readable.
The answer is 8,22
